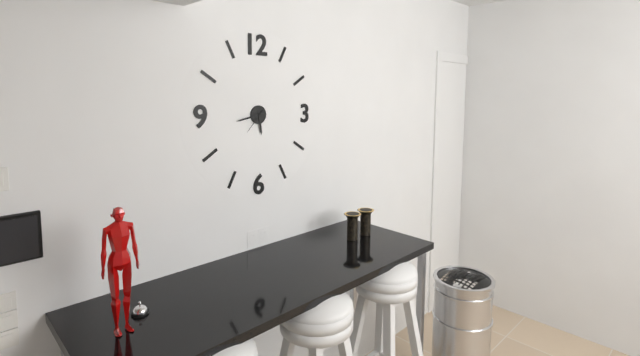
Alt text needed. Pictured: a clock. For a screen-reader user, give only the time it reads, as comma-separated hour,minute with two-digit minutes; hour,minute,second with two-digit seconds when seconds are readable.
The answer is 5,43
